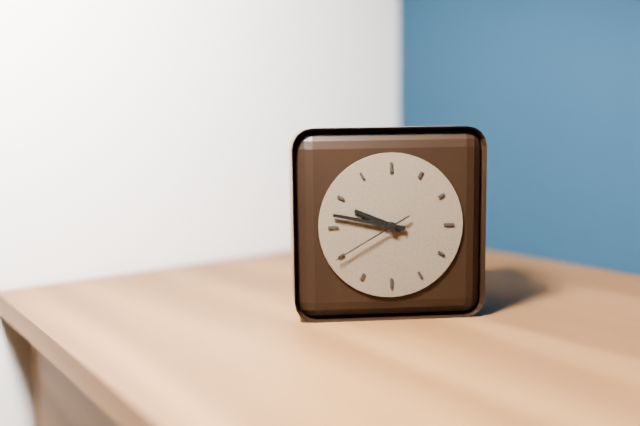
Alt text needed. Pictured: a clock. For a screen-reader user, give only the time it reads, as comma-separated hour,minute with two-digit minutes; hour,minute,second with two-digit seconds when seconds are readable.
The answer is 9,47,40
